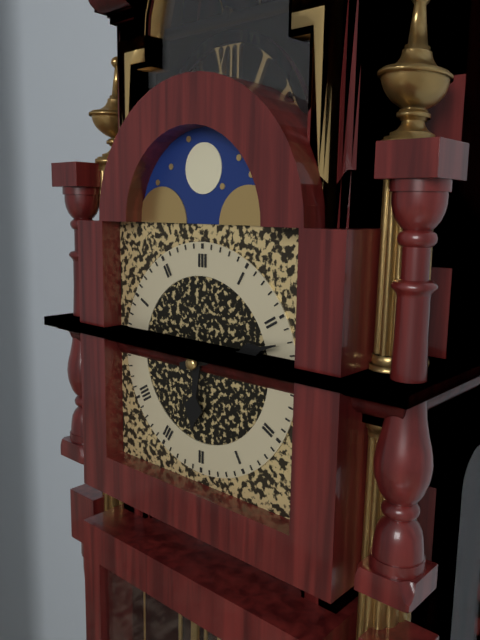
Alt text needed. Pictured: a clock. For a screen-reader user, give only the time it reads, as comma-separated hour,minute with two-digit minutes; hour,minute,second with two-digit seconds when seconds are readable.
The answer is 6,12
